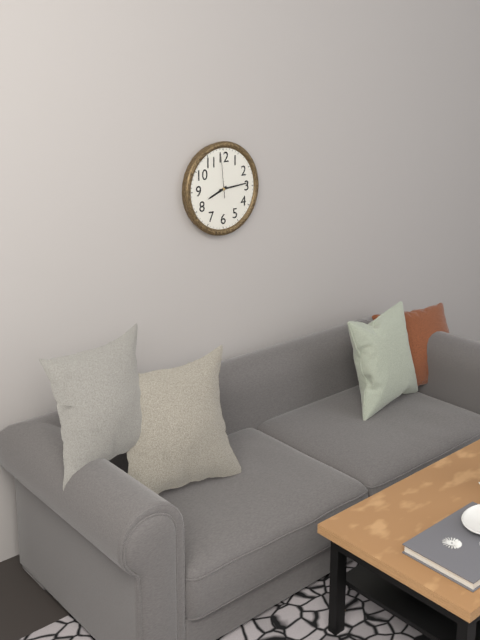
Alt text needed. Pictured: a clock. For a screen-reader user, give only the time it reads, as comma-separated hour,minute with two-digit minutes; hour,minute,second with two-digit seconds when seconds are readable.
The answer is 8,14
